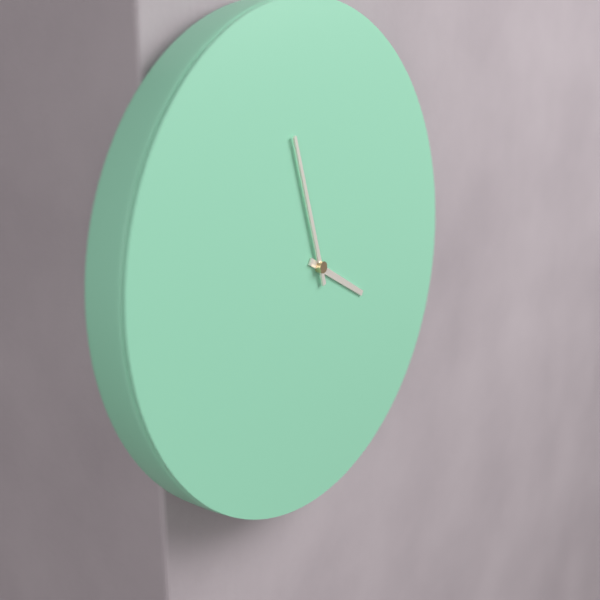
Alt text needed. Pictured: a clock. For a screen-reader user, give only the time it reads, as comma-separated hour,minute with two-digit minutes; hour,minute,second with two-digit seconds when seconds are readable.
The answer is 3,57
